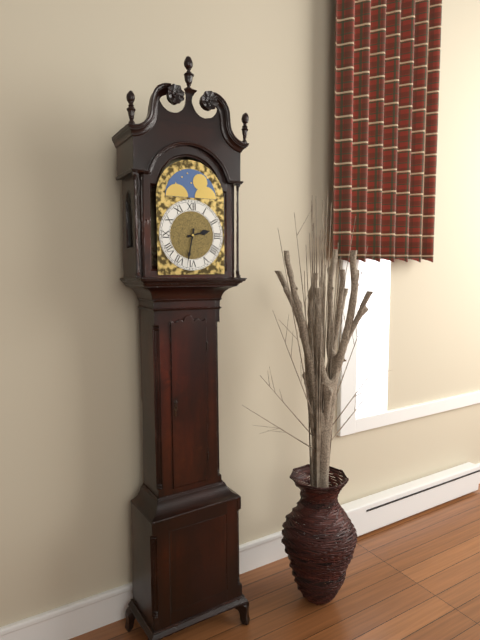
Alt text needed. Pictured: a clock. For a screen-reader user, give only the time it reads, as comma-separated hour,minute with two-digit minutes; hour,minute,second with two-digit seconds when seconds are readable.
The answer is 2,32
